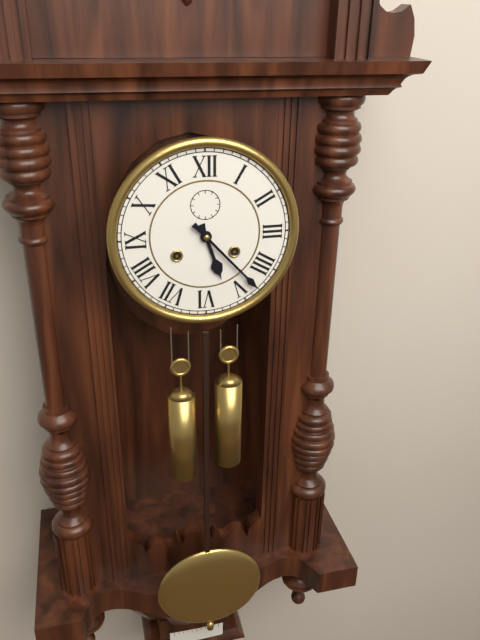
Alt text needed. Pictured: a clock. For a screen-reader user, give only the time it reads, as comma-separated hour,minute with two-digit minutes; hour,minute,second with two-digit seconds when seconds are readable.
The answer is 5,23
